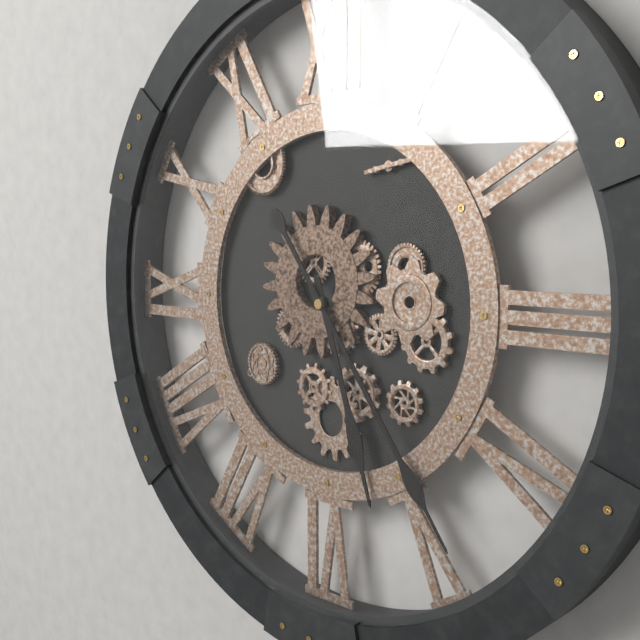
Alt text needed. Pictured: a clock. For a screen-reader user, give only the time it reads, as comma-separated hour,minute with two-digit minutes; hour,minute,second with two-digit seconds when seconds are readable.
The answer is 5,24
